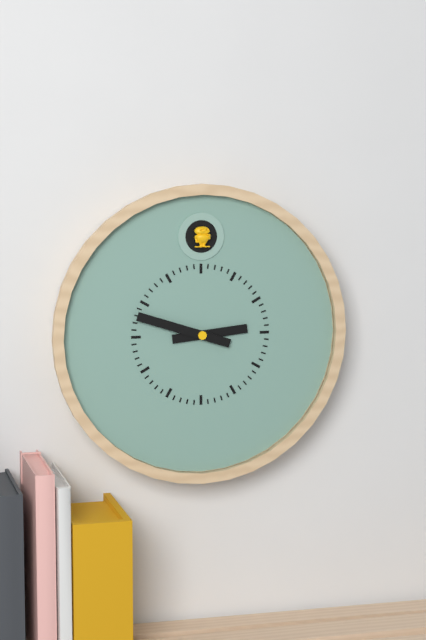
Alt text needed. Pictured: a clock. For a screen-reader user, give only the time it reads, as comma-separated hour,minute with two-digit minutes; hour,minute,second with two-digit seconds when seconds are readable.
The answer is 2,48
